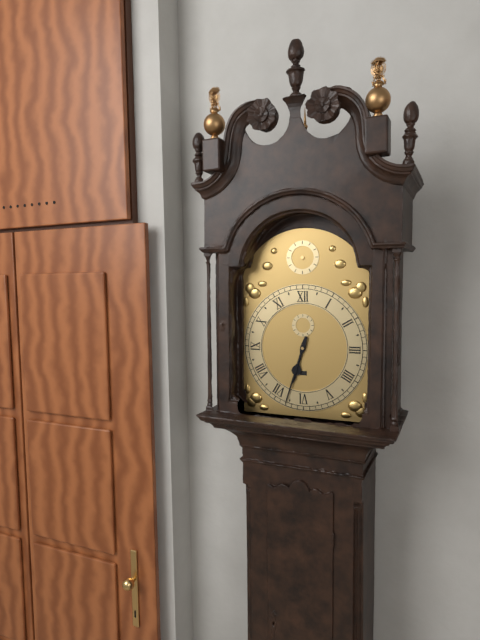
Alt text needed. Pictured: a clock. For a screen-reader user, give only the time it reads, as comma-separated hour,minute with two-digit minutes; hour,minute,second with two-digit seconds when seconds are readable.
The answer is 6,33
